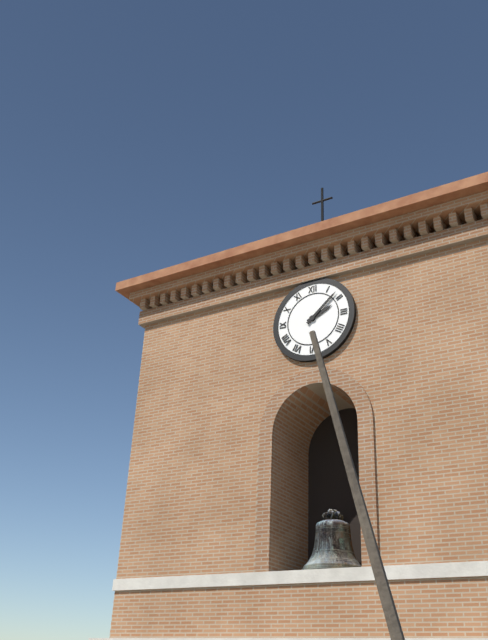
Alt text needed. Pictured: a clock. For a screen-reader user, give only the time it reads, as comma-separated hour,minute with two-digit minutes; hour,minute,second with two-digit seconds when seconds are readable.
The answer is 2,08
